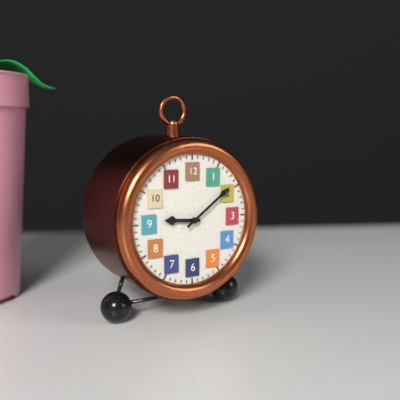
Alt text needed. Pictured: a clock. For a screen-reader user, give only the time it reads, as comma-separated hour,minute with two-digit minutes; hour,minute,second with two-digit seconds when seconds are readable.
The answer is 9,09
